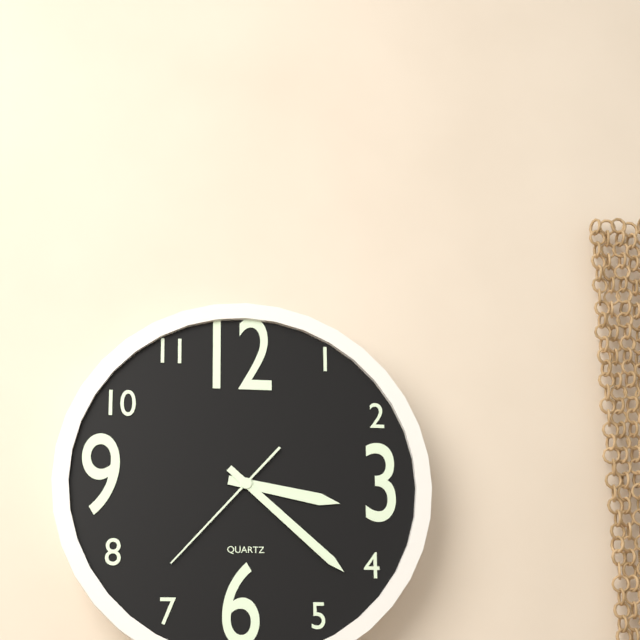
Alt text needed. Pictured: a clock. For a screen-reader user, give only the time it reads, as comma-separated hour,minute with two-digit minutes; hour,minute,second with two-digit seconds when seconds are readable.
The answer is 3,22,37
